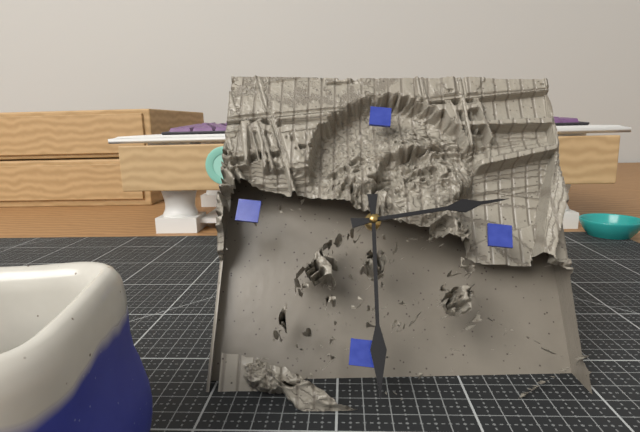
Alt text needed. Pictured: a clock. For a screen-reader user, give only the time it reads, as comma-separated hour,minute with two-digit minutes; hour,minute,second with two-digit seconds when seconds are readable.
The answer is 2,29
